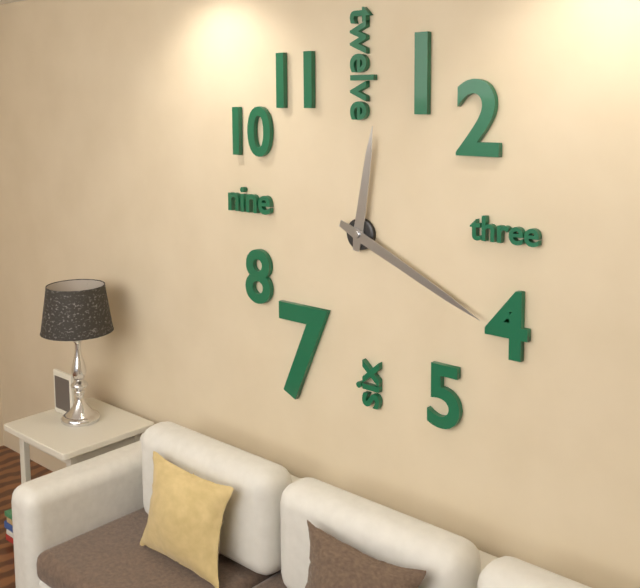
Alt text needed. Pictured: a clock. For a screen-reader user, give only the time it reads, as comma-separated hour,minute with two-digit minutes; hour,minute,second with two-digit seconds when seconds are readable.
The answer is 12,19
